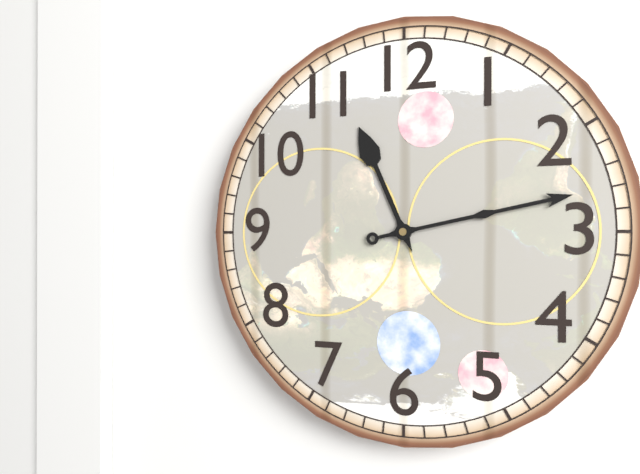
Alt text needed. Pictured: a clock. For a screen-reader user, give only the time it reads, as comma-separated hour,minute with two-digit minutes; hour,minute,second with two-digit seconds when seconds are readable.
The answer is 11,13
